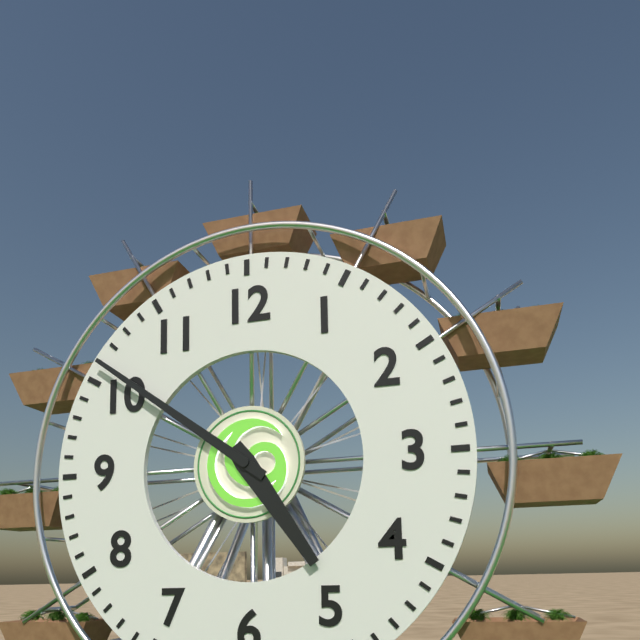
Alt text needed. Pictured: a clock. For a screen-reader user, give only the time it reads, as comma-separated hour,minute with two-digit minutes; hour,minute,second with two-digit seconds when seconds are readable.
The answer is 4,51
